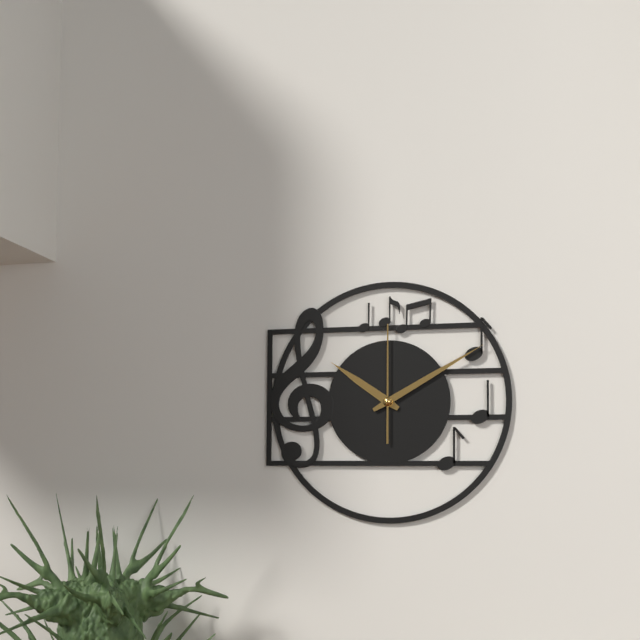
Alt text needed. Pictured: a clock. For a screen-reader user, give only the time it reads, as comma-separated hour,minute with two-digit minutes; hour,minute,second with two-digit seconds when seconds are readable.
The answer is 10,10,00
